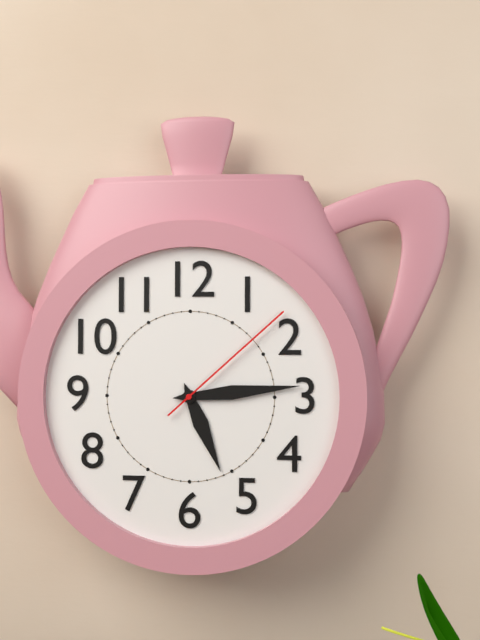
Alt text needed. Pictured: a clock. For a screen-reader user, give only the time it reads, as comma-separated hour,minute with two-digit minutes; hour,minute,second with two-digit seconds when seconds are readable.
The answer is 5,14,08
